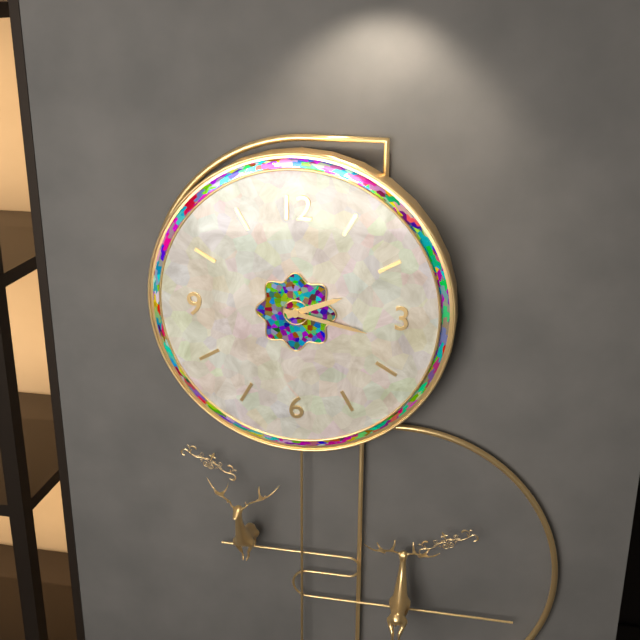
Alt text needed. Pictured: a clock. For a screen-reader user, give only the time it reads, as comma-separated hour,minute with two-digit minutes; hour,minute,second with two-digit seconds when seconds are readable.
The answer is 2,17
